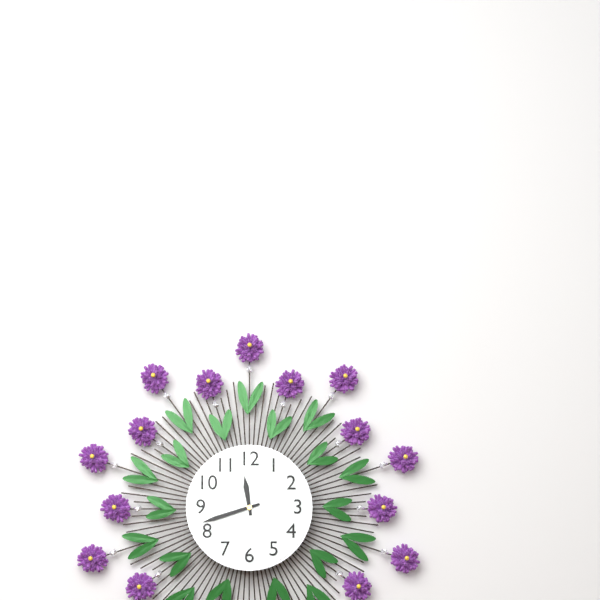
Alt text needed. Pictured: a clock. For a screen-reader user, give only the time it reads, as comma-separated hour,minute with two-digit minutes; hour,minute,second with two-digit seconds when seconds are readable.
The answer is 11,42
